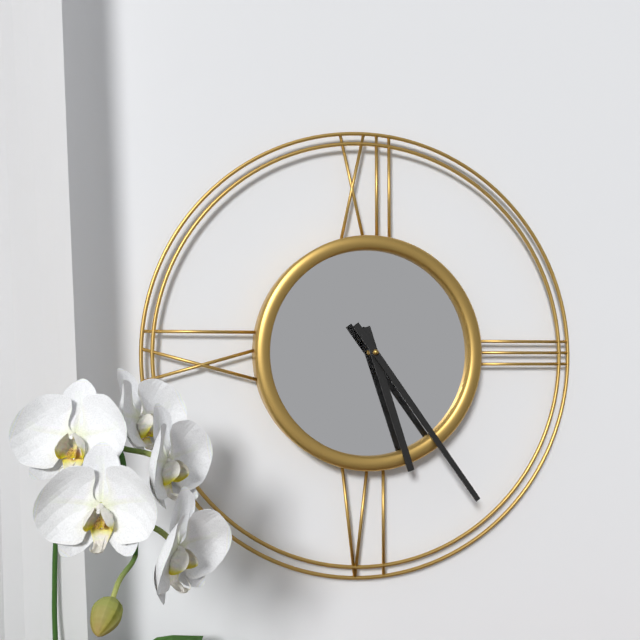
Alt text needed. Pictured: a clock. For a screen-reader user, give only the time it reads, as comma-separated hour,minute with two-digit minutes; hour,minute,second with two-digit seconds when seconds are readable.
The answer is 5,24
